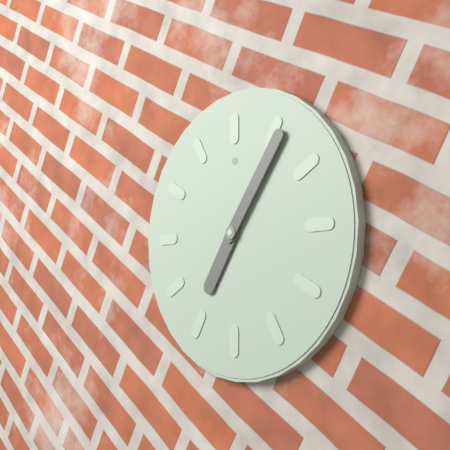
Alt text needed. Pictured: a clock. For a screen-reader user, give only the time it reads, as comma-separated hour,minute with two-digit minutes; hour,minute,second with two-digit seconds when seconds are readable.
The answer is 7,06
